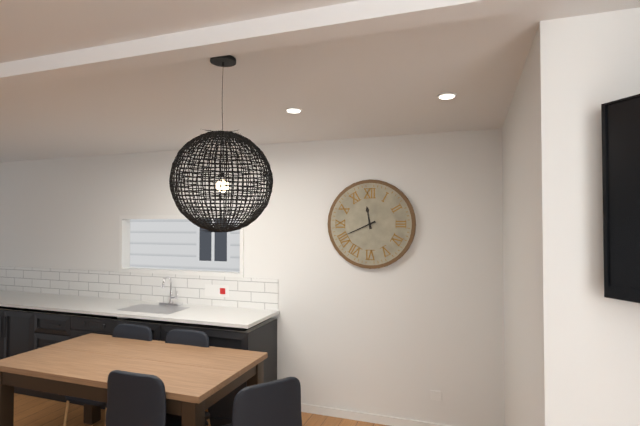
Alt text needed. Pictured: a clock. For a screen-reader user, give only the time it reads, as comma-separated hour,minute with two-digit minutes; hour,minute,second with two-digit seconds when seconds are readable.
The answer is 11,41
